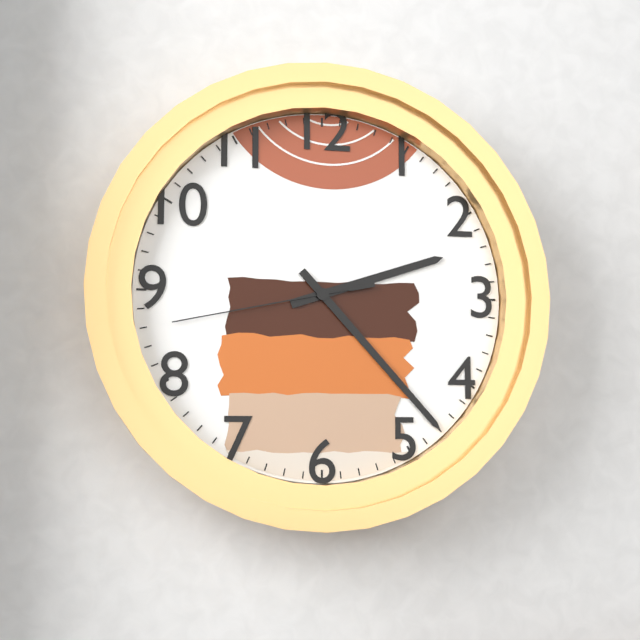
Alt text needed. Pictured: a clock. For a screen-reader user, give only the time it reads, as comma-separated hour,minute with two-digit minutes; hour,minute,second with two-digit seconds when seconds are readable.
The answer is 2,23,43
